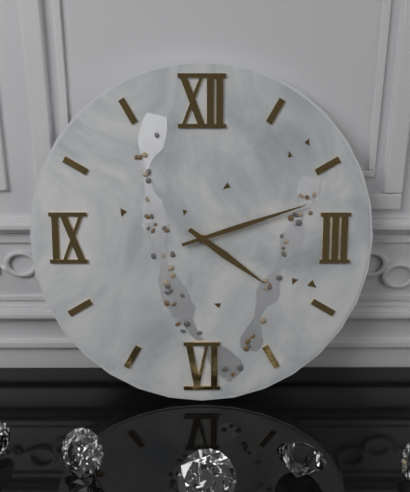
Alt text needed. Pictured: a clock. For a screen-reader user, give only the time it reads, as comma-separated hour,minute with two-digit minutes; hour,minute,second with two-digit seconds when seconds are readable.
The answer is 4,12
